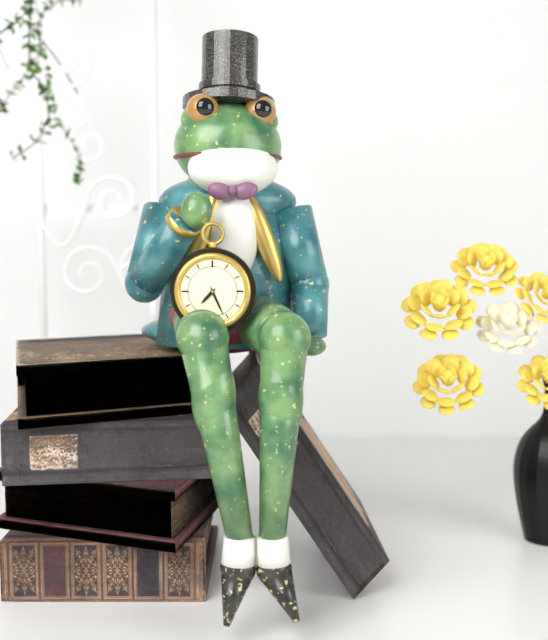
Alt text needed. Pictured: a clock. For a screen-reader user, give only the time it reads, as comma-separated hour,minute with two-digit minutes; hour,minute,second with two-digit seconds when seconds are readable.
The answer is 7,26
